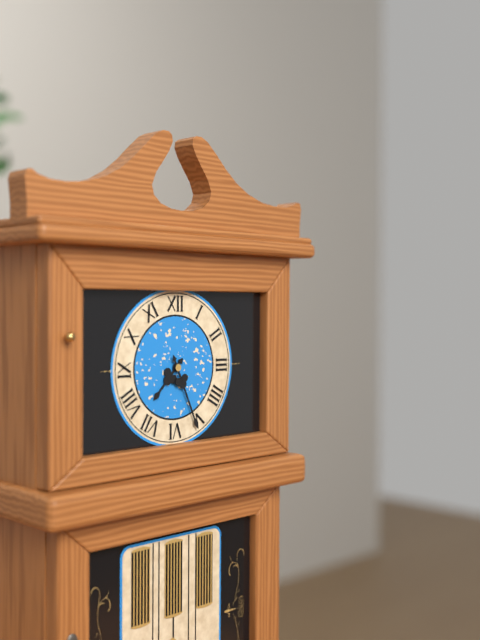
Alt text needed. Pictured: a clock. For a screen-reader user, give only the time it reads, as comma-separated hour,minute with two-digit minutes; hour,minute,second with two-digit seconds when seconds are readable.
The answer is 7,26
